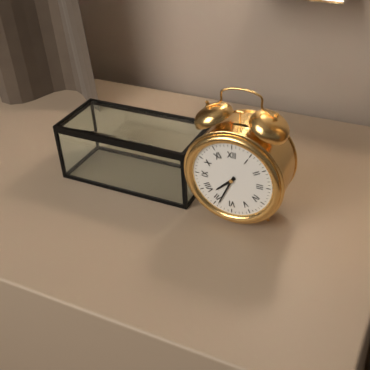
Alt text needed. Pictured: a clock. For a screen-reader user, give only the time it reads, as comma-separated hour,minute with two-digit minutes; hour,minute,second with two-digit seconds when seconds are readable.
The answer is 7,34
